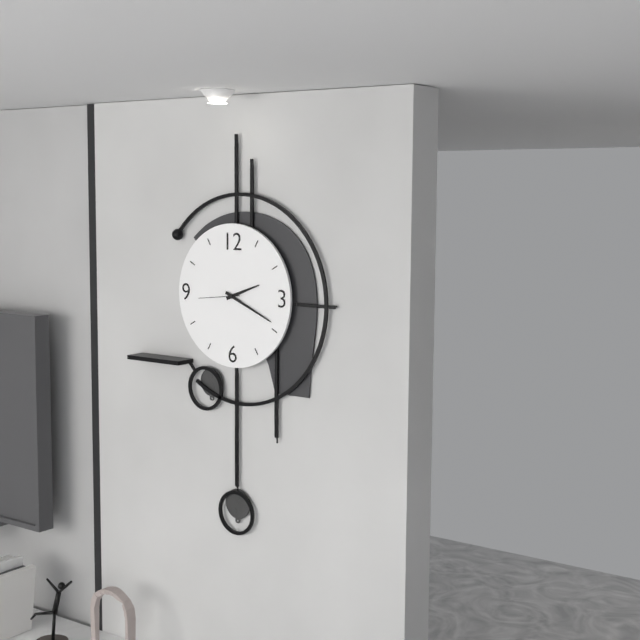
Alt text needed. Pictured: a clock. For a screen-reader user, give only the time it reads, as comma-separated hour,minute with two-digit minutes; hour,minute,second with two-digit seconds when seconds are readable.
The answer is 2,19
